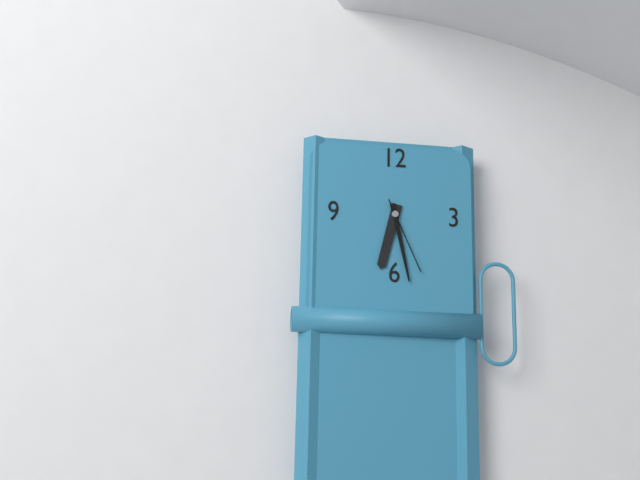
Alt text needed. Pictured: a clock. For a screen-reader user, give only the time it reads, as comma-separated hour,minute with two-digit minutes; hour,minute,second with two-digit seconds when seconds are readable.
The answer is 6,28,26
